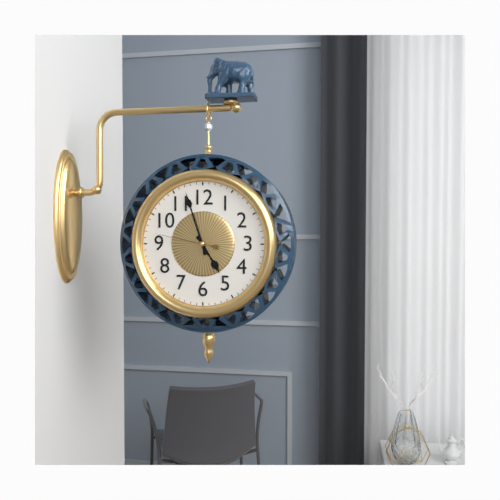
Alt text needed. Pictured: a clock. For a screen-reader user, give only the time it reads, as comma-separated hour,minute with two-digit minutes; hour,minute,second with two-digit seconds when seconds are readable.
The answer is 4,57,47
